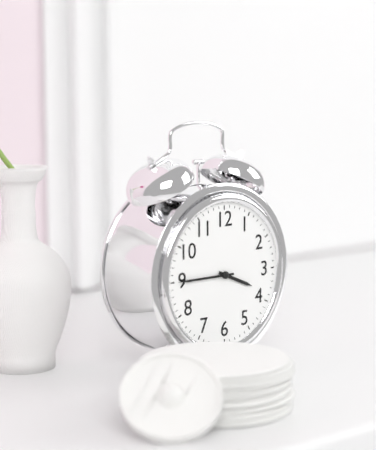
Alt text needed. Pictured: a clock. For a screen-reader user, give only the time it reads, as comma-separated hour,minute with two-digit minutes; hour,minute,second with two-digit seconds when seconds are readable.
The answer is 3,45
